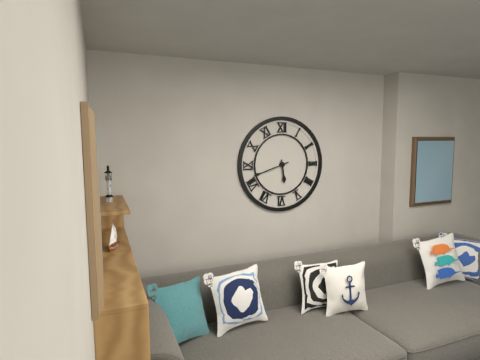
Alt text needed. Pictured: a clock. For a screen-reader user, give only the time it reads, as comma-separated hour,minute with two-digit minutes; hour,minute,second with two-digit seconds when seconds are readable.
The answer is 5,42
